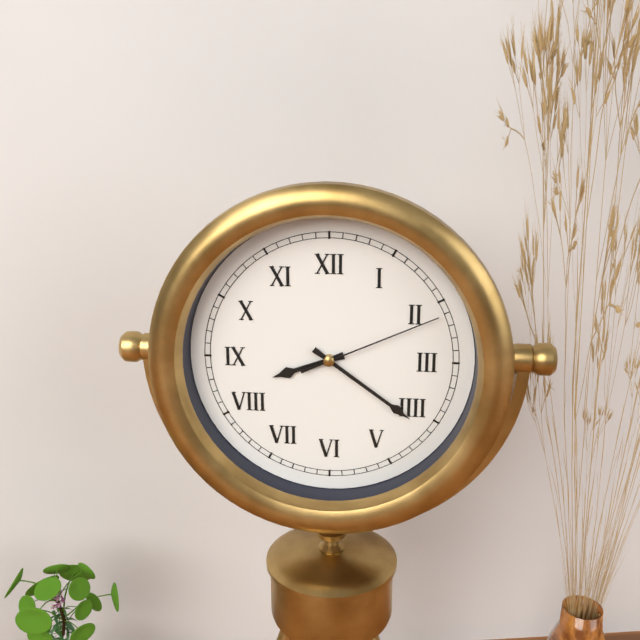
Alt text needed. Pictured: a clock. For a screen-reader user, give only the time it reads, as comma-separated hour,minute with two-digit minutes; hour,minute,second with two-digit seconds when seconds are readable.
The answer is 8,21,11
